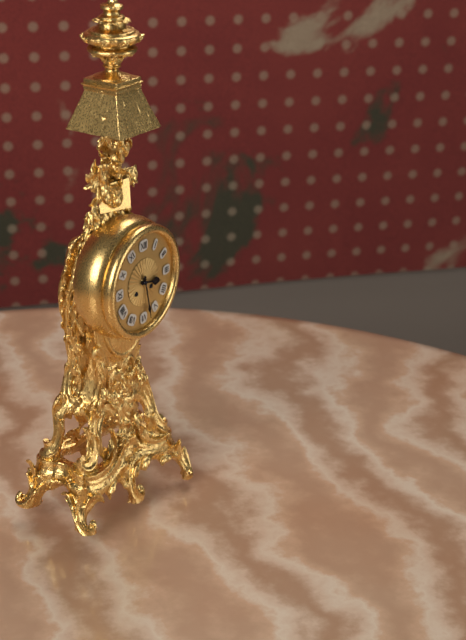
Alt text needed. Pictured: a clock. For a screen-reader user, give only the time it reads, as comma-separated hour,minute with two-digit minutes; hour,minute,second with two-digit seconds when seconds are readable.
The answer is 3,28
